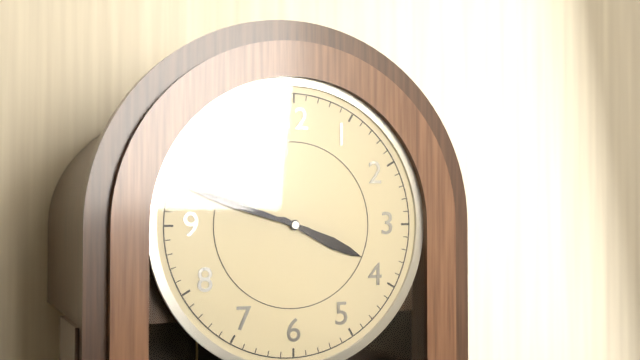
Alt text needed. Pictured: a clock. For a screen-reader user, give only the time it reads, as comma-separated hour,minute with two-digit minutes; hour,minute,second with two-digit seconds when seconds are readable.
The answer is 3,48
